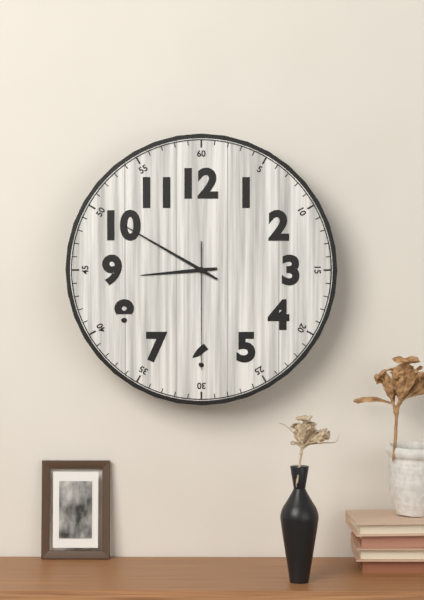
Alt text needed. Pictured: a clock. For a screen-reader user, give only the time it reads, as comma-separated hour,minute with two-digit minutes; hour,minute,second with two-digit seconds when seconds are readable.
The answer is 8,50,30
